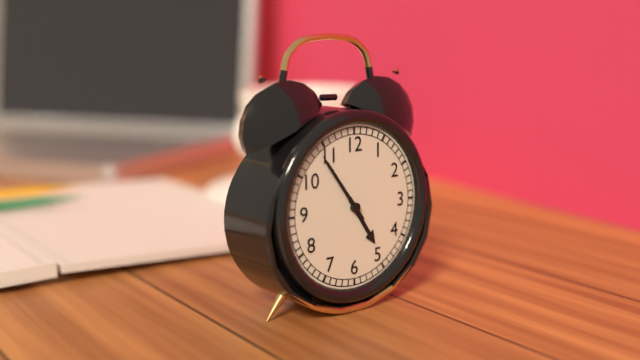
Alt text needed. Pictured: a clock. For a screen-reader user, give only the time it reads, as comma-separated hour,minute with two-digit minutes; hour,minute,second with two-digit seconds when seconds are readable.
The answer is 4,54
